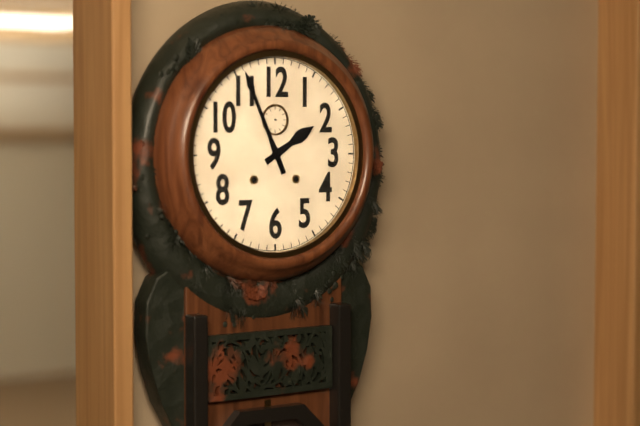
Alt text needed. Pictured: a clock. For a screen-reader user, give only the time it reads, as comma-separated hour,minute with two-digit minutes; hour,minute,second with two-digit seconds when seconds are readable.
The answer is 1,56
